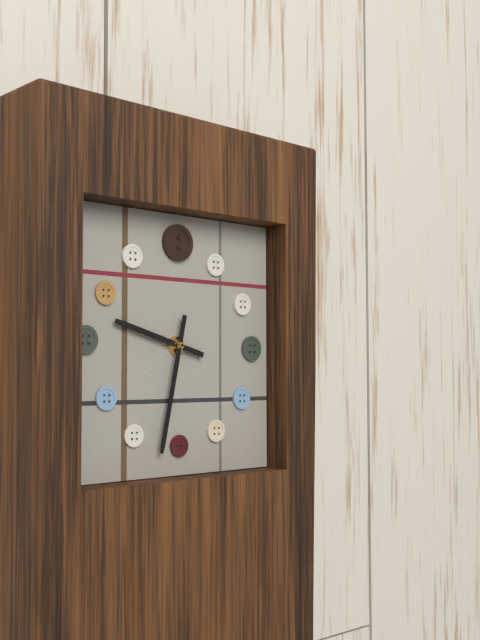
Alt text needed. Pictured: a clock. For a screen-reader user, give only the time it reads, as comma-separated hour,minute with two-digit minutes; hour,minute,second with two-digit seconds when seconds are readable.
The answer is 9,32
